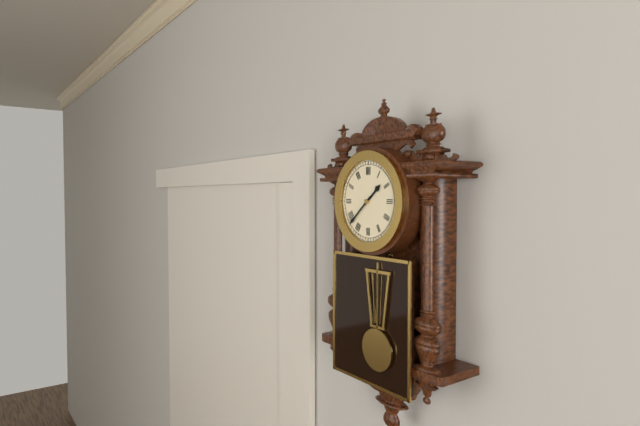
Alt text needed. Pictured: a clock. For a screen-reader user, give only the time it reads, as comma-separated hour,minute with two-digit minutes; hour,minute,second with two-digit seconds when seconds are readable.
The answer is 1,38
